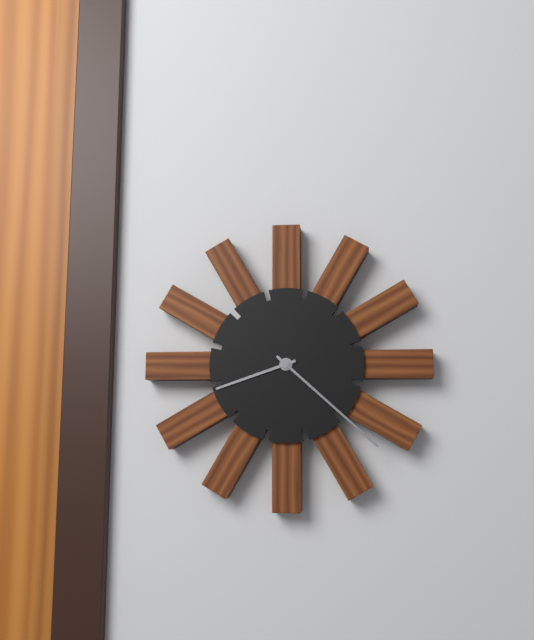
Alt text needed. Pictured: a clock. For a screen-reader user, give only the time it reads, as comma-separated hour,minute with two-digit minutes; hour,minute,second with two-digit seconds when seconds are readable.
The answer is 8,22
